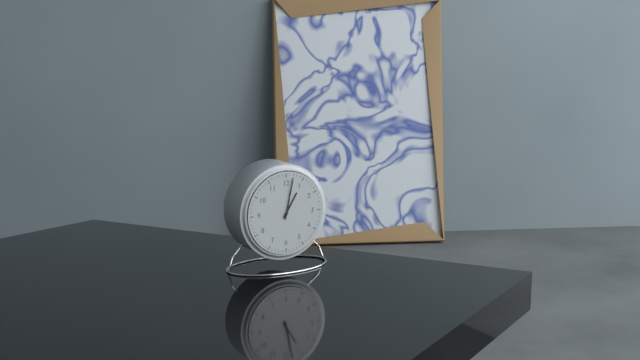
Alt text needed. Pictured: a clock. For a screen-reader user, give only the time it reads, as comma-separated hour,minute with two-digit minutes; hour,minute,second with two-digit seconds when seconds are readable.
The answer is 1,02
